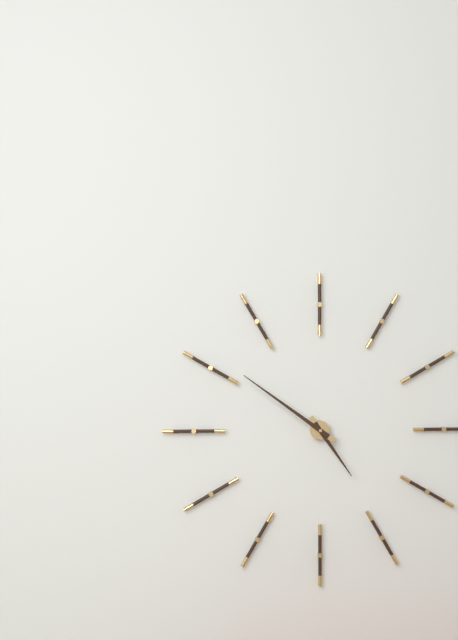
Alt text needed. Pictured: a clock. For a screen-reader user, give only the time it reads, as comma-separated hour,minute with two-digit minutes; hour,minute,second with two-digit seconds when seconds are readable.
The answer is 4,51
